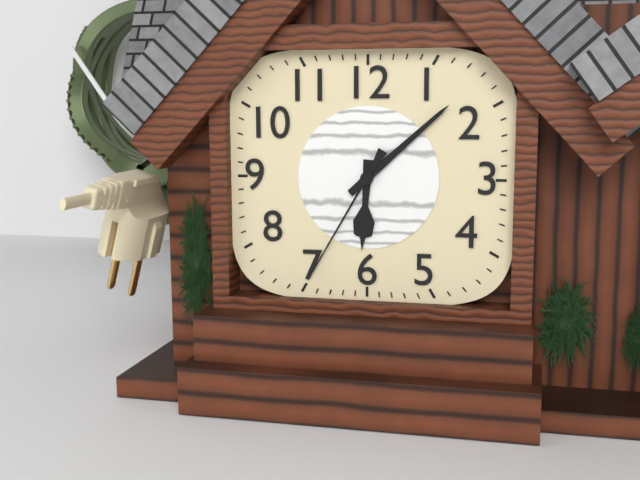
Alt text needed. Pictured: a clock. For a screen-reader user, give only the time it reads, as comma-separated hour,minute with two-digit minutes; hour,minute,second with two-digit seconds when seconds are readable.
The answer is 6,08,35
